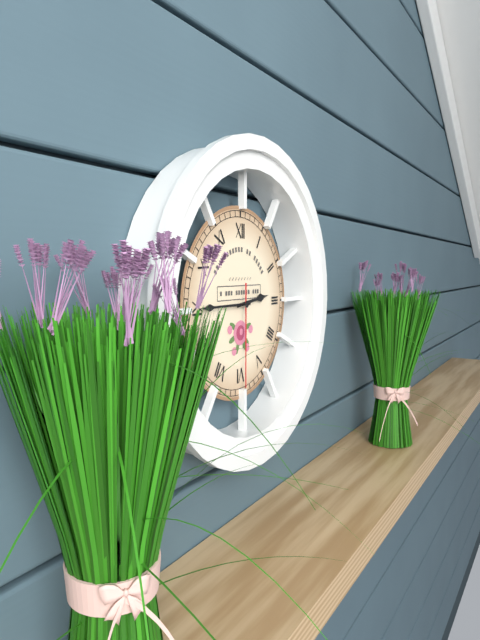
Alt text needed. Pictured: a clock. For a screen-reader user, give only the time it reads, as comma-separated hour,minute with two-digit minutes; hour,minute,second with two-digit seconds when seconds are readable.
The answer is 2,45,30
